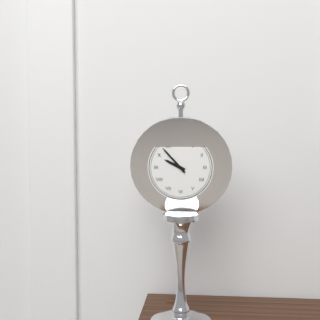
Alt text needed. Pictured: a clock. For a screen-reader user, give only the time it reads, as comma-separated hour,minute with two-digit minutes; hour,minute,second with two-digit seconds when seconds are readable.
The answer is 9,53
